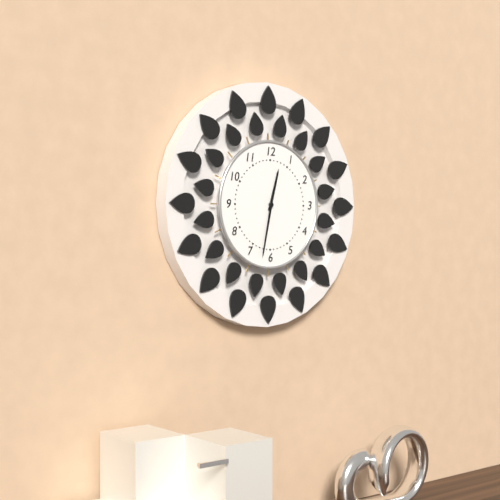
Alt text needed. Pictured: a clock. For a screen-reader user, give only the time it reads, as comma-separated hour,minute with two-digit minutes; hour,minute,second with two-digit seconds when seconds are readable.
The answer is 12,32
